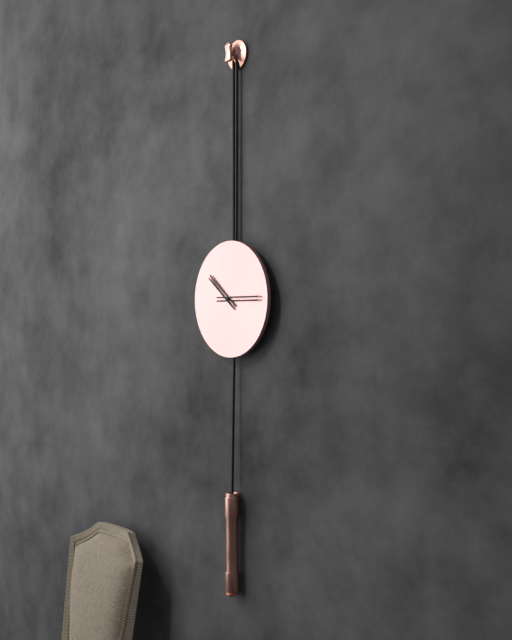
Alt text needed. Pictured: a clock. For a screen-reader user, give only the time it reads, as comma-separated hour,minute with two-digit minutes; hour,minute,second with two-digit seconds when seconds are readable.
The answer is 10,15
